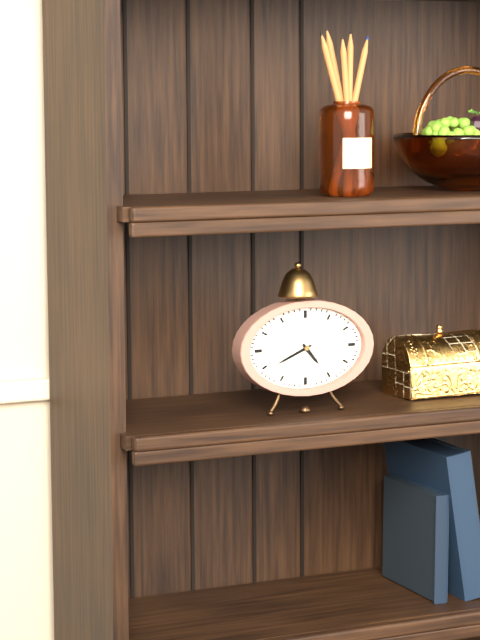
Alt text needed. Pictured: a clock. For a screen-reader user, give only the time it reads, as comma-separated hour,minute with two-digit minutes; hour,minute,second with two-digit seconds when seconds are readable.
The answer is 4,41
